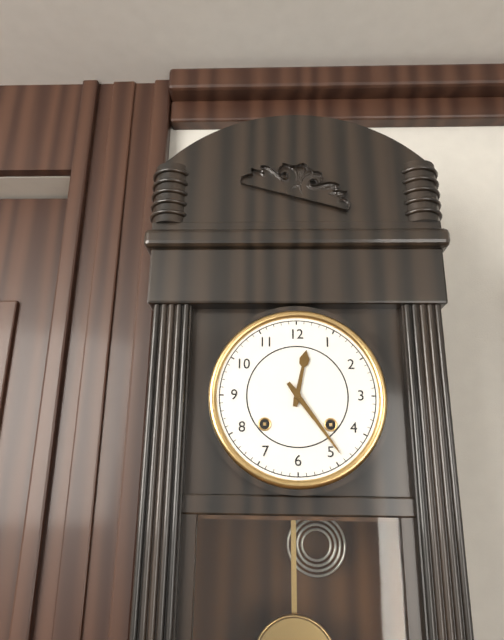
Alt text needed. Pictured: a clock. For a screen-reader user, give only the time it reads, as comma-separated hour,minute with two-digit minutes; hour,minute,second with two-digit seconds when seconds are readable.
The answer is 12,24
